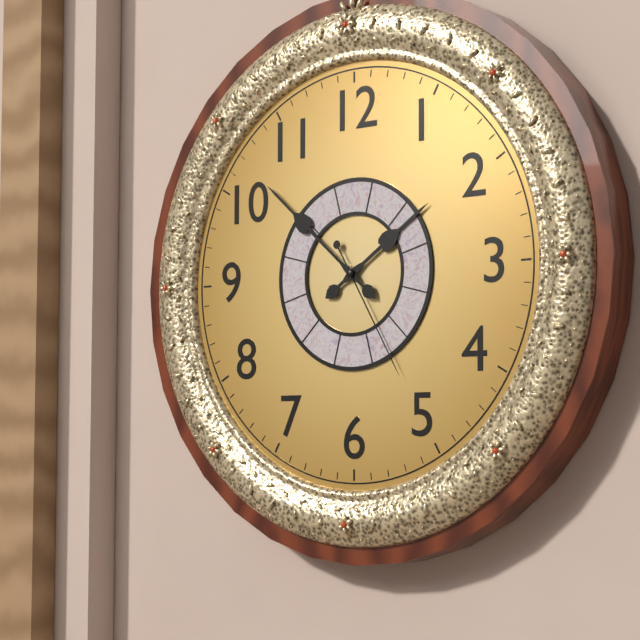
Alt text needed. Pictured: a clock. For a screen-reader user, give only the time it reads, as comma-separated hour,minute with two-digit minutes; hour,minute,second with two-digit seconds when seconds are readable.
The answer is 1,52,25
